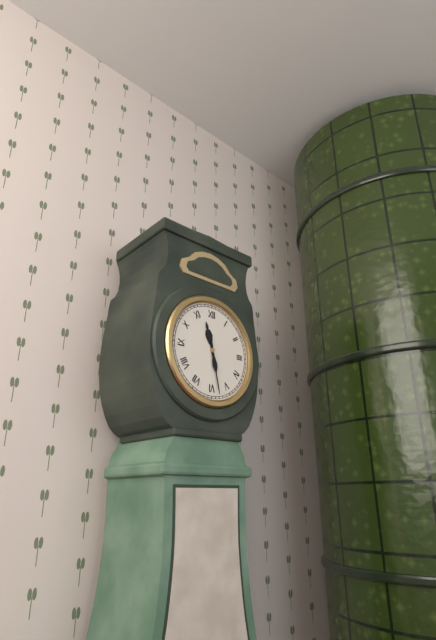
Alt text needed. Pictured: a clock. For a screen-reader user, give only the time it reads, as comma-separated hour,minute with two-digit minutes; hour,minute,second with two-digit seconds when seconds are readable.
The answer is 11,28
